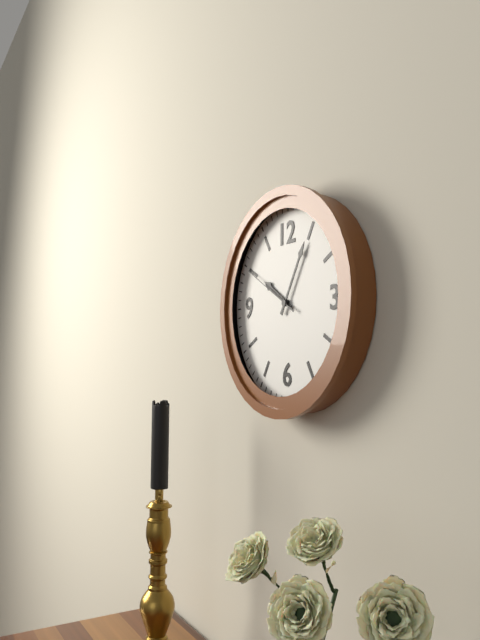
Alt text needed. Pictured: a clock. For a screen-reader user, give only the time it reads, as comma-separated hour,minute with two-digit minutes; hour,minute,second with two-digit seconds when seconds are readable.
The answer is 10,05,50
